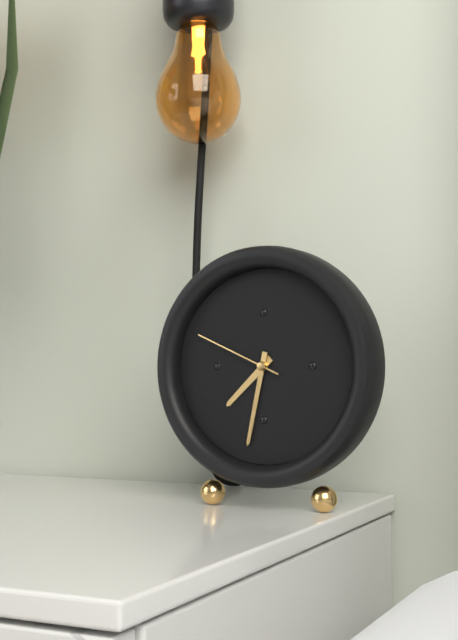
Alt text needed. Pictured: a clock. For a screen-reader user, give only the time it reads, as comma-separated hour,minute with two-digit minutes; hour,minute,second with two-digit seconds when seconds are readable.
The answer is 7,32,49
